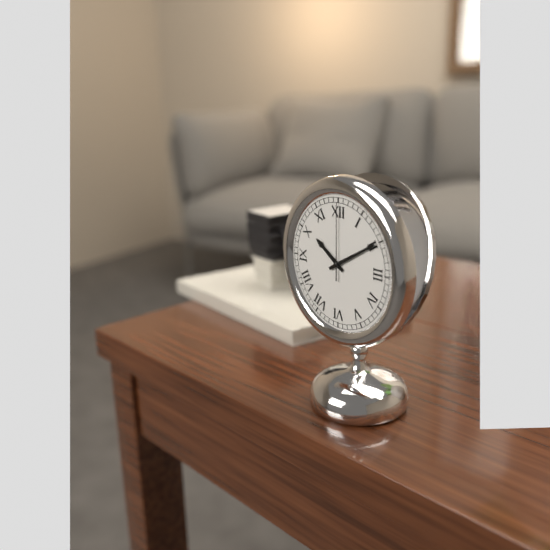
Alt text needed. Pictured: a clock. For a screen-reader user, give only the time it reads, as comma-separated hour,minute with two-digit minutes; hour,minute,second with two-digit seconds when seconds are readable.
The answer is 10,10,00
